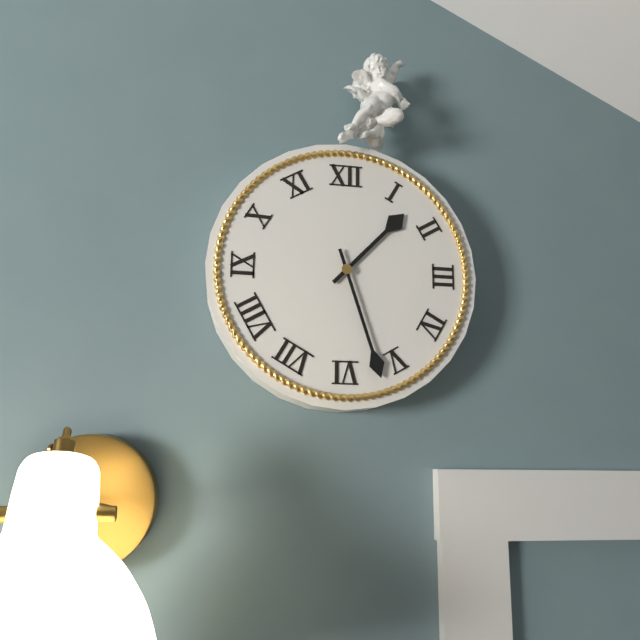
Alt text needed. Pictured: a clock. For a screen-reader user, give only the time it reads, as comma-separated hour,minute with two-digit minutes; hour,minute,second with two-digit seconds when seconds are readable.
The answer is 1,27
